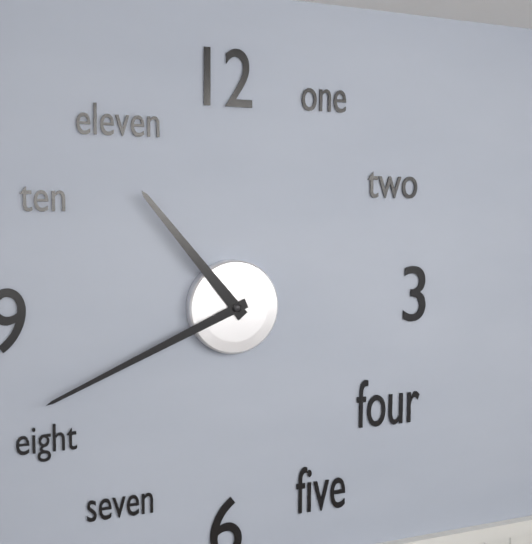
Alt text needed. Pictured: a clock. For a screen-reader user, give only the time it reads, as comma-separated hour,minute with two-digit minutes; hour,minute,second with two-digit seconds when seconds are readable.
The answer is 10,41
